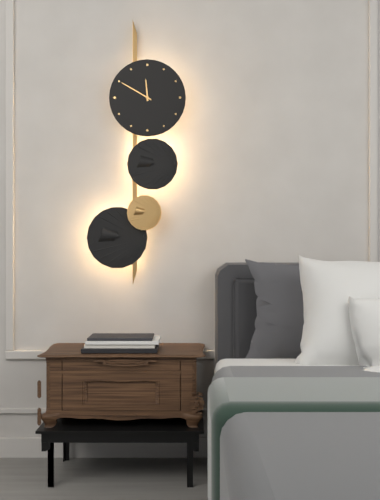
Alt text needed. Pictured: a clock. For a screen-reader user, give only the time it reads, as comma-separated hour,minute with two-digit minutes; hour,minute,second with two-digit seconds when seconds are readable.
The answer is 11,50
